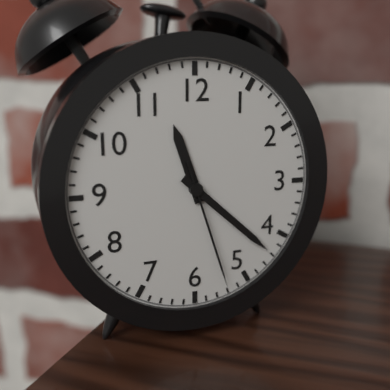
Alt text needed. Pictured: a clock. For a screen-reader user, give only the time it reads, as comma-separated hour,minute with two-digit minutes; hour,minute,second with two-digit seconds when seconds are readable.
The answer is 11,22,27
